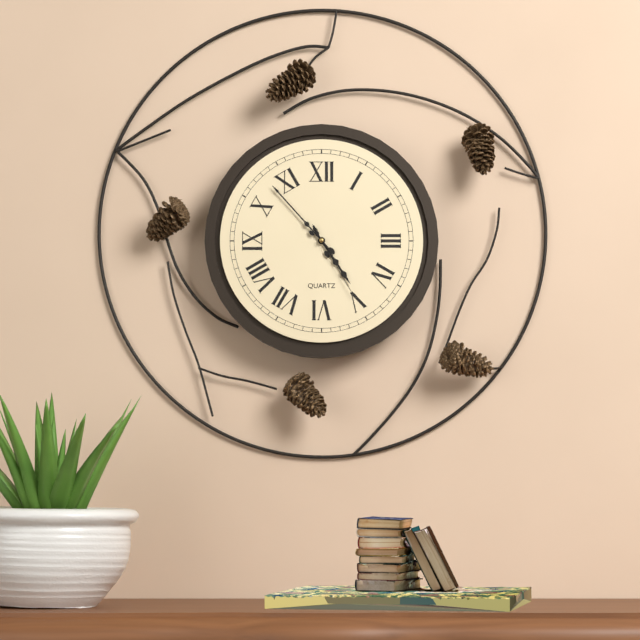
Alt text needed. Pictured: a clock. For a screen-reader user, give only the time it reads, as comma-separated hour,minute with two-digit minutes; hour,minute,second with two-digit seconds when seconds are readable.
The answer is 4,53,25
